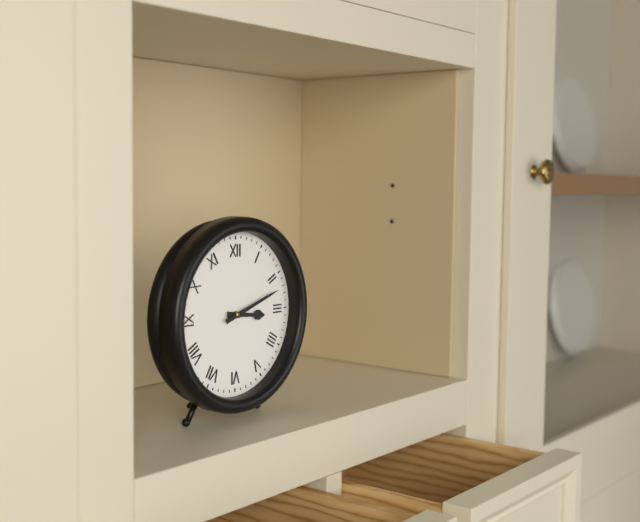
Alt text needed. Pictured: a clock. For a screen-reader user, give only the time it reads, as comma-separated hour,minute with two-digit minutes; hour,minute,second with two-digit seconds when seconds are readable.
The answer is 3,12
